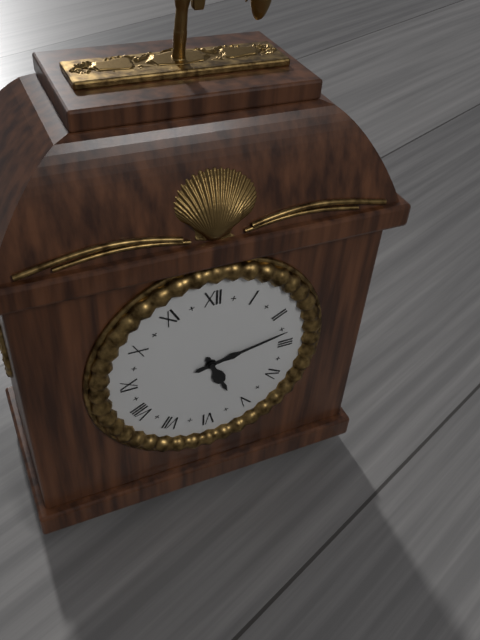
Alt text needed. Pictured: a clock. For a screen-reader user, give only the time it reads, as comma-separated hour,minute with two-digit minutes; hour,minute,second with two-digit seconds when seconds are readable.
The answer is 5,13
